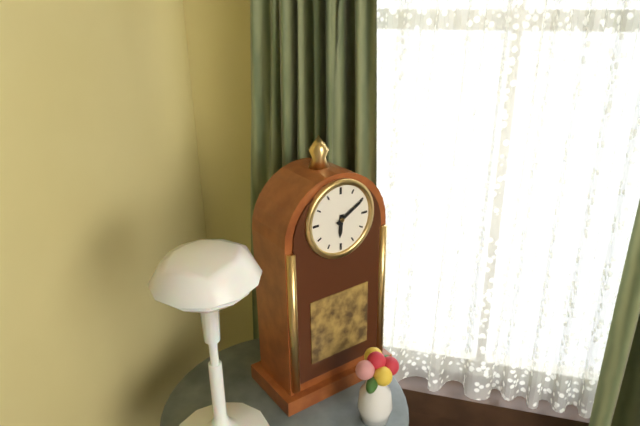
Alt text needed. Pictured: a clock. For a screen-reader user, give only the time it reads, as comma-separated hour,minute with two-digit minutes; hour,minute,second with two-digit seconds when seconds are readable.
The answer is 6,10
